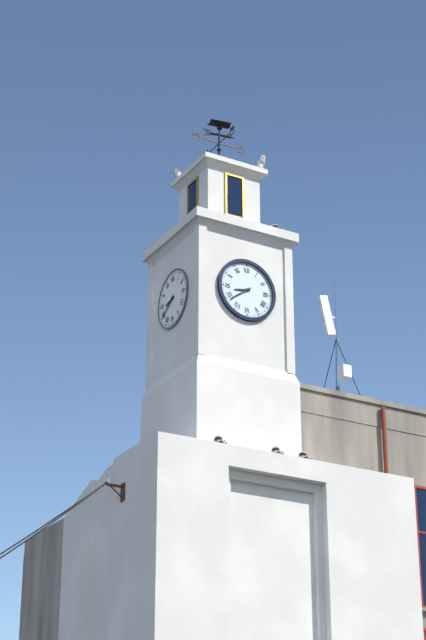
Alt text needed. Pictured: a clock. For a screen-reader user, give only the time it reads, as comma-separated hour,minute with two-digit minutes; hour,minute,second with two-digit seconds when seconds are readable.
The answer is 8,39
